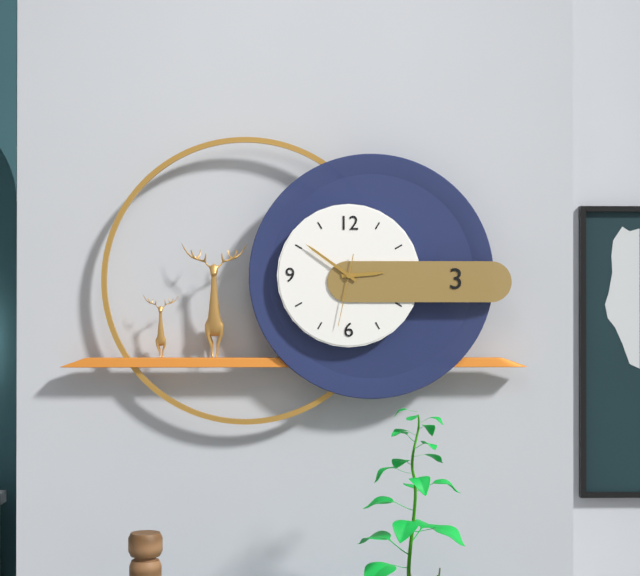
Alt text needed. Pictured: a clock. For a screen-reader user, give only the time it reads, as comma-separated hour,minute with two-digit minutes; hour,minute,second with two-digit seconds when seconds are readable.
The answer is 2,51,32
